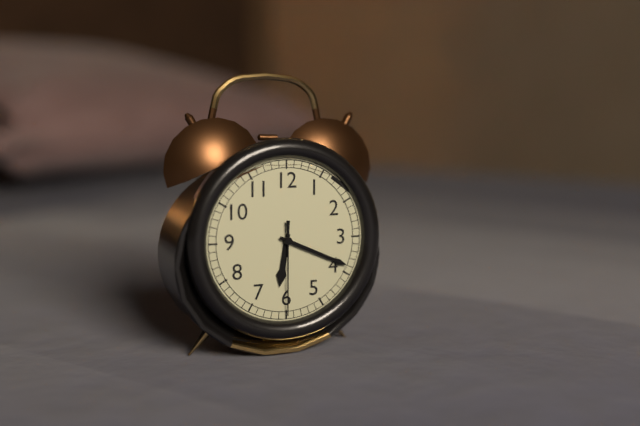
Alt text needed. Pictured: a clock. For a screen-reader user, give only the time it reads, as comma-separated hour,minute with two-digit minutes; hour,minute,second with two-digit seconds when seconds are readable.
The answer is 6,19,30
